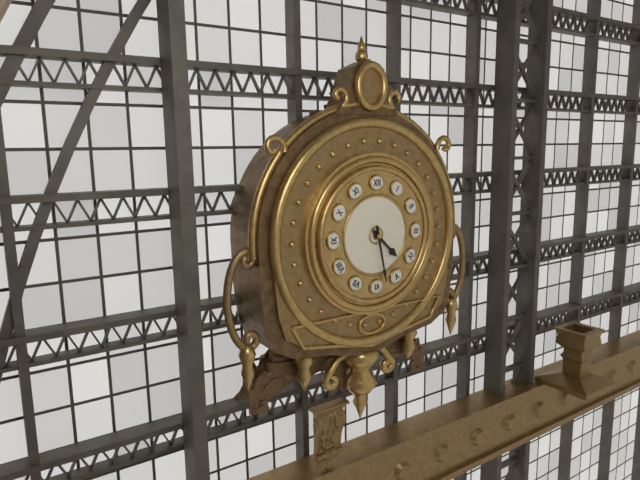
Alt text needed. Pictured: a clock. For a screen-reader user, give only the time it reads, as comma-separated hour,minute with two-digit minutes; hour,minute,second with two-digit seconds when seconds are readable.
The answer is 4,28
